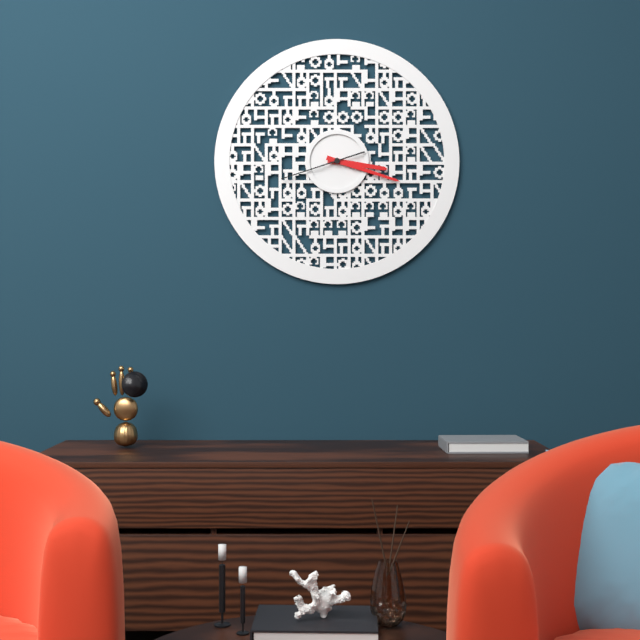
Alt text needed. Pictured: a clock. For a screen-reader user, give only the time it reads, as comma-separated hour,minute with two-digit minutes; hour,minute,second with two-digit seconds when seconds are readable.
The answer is 3,18,42
